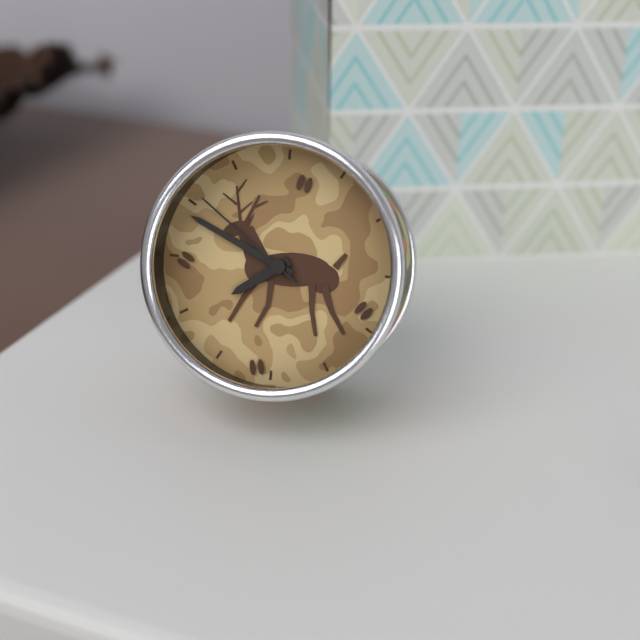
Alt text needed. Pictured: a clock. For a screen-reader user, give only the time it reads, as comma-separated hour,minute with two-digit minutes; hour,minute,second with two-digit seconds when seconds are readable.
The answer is 7,49,51
